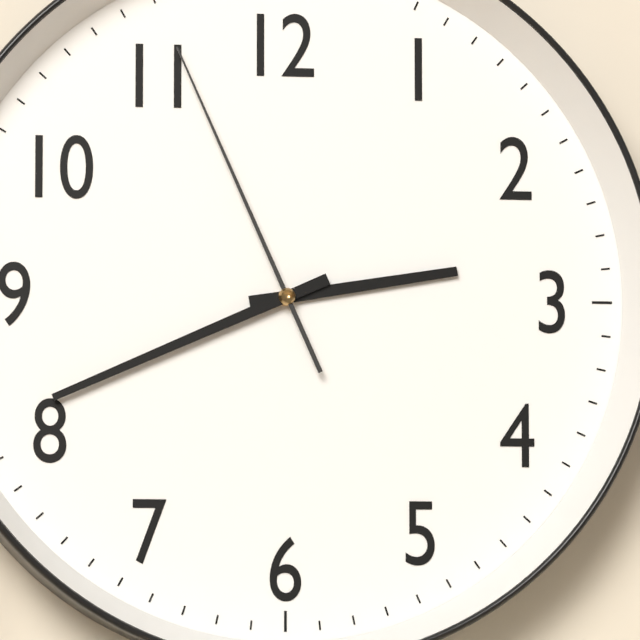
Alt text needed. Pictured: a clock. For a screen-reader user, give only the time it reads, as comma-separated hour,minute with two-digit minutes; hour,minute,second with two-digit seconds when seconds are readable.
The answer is 2,41,56
